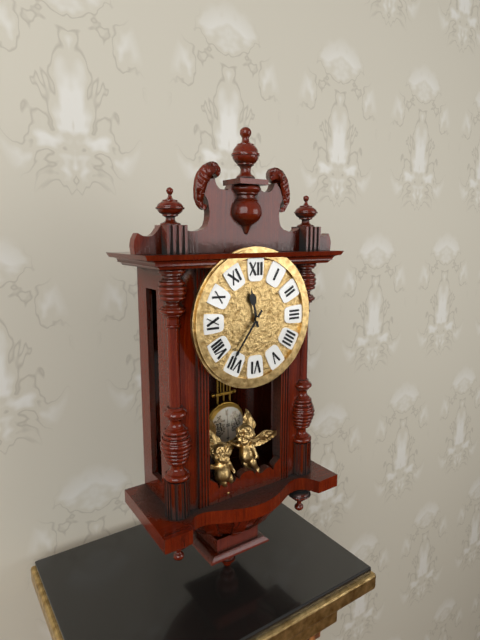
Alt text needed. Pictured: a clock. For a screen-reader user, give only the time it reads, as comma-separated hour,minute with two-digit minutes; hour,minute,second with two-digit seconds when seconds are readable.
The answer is 11,36
